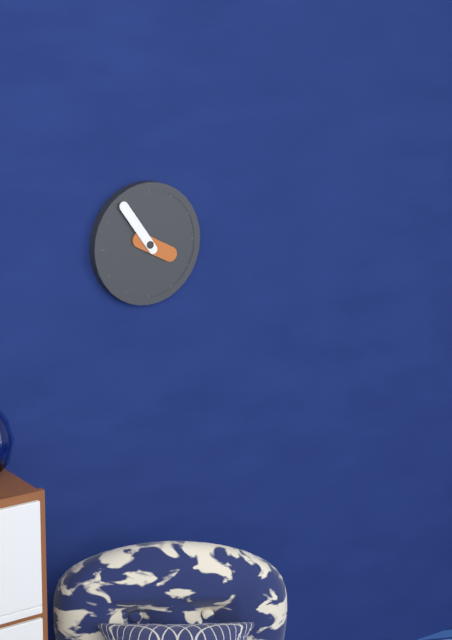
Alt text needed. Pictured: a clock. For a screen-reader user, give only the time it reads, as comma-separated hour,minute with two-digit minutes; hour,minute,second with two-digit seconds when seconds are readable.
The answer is 3,54
